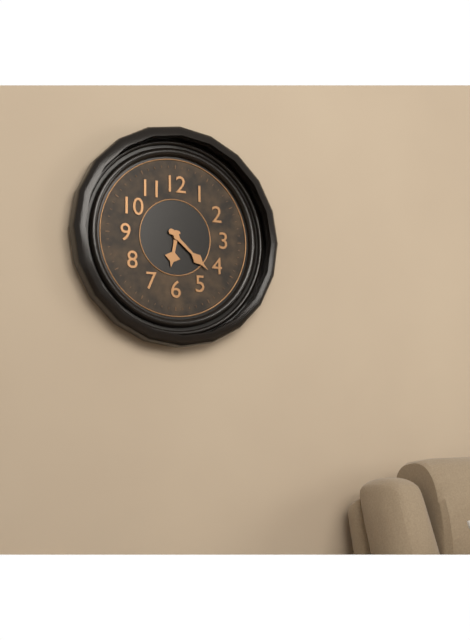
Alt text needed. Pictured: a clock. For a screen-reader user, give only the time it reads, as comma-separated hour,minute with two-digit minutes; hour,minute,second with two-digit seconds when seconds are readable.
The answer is 6,22
